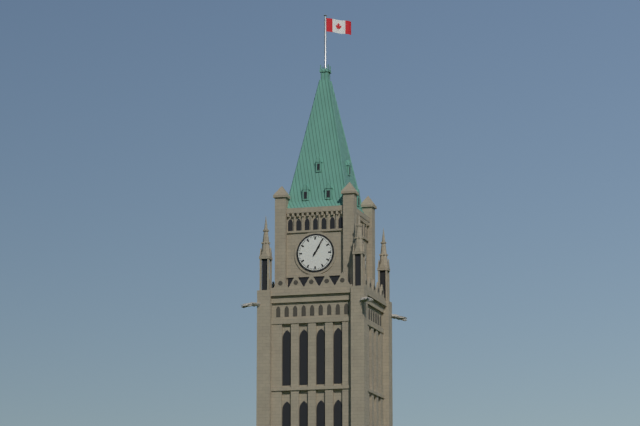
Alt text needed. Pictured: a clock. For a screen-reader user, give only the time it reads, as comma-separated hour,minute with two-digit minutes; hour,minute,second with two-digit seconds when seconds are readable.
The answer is 1,05
